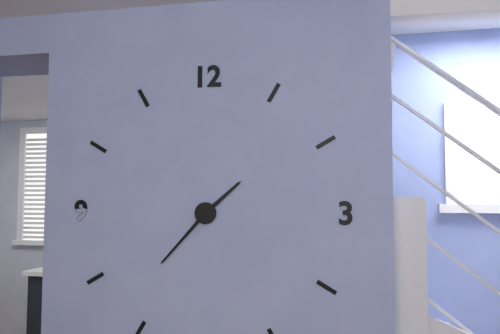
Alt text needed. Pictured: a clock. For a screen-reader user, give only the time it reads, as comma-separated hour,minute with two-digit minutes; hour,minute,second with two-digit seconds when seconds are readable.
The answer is 1,37
